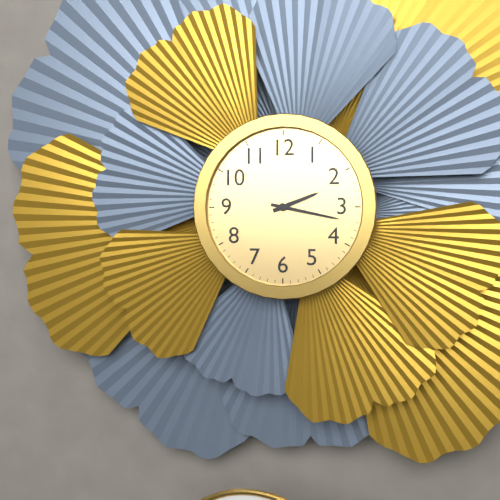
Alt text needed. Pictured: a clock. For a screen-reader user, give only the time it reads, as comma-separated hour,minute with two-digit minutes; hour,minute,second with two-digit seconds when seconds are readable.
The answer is 2,17
